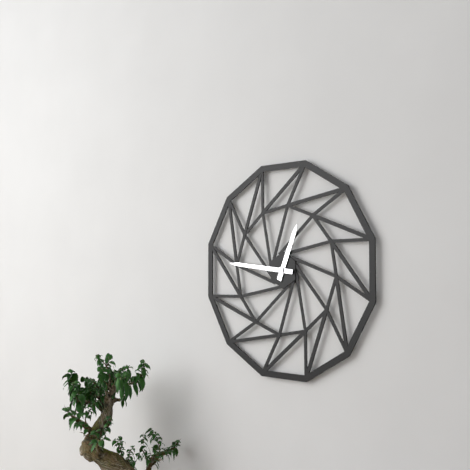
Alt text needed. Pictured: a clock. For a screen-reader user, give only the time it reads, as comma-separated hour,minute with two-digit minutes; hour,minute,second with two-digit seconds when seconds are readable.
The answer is 12,46
